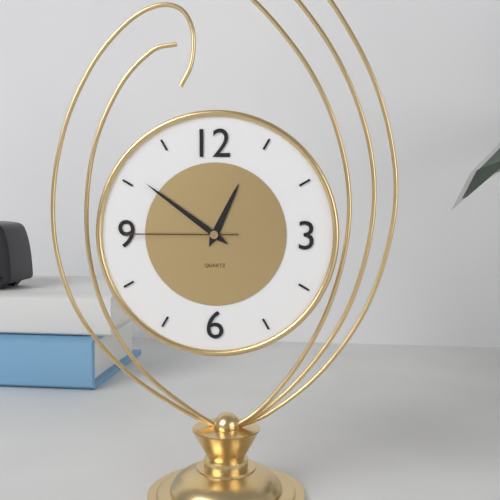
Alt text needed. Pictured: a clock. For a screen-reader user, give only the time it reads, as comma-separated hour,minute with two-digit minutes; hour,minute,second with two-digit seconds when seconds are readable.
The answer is 12,51,45
